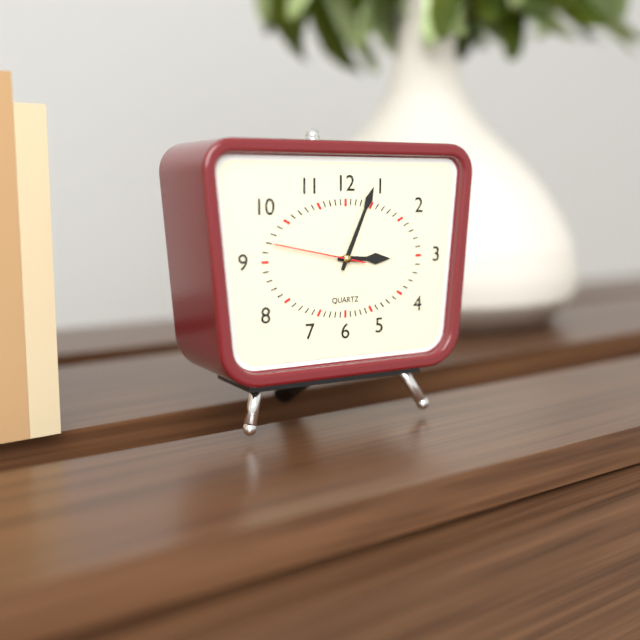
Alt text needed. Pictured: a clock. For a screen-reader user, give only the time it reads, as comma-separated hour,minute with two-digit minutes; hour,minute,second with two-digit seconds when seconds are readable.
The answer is 3,04,47
